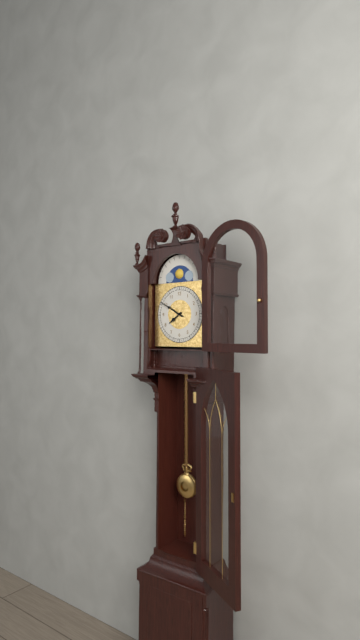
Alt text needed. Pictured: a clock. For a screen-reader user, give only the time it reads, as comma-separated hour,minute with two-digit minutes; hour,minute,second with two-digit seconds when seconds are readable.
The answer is 7,50
